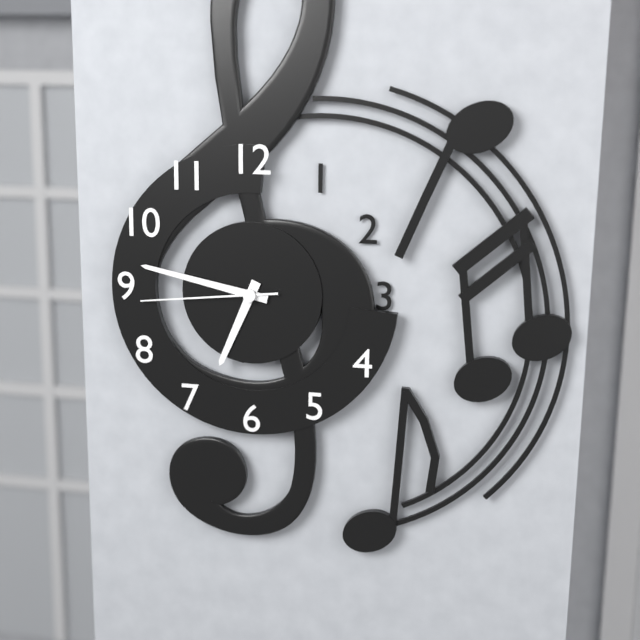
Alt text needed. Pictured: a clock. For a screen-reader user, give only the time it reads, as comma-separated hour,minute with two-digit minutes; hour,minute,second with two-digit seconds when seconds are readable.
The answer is 6,47,44
